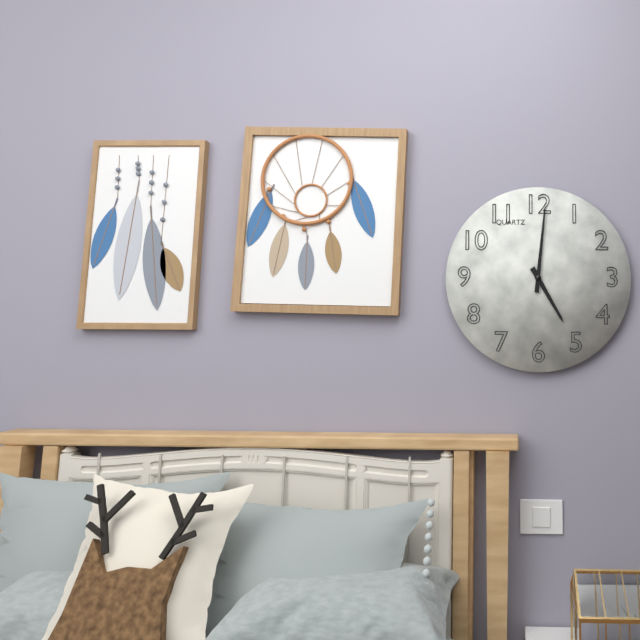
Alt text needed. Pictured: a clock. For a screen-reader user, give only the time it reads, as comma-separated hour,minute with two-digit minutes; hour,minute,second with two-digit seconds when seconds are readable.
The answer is 5,01
